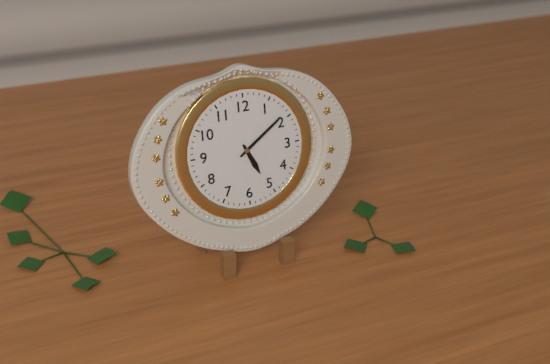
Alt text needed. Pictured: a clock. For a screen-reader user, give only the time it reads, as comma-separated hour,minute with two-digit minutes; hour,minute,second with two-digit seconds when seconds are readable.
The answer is 5,09
